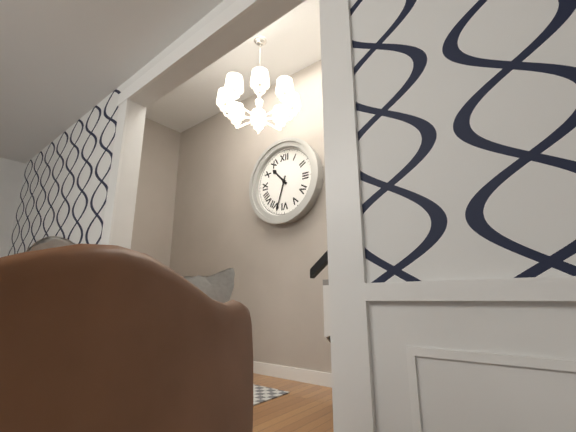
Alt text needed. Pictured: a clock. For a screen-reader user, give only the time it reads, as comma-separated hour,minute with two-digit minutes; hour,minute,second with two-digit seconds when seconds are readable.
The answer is 10,33
